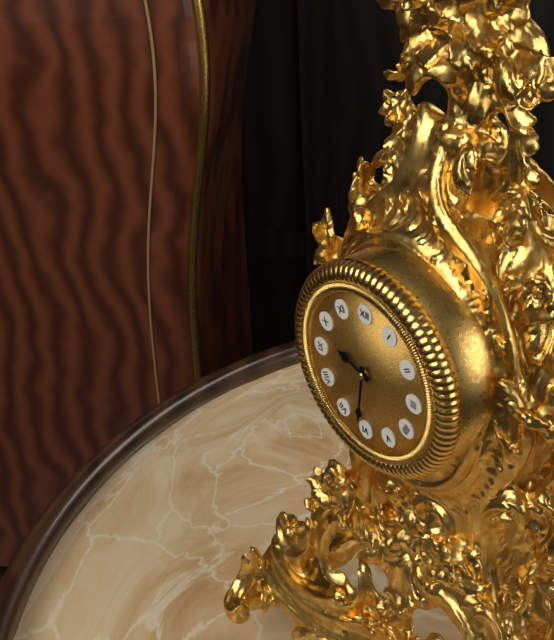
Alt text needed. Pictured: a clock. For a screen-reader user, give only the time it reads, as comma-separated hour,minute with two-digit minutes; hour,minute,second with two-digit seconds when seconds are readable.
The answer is 9,31
